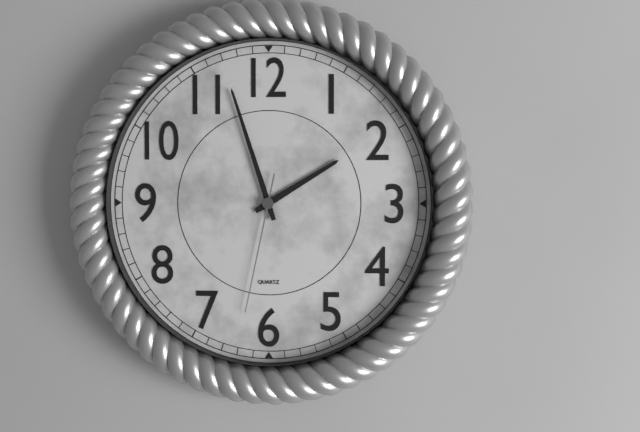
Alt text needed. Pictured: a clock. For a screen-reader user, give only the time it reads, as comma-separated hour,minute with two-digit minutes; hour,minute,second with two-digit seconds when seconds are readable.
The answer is 1,57,32
